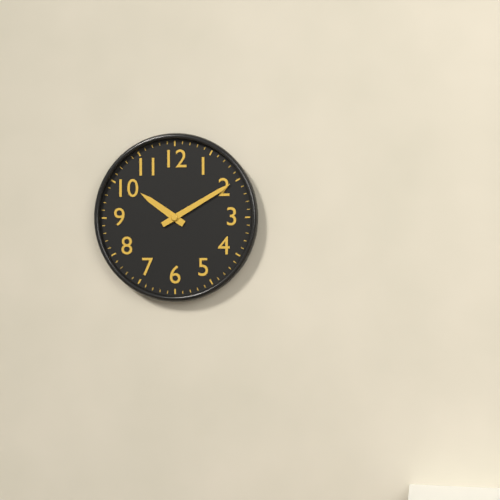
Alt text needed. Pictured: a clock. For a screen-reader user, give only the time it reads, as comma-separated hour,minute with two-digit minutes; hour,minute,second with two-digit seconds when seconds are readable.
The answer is 10,10
